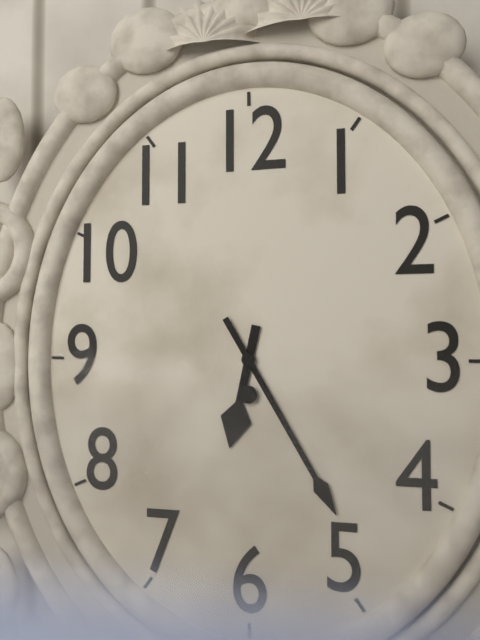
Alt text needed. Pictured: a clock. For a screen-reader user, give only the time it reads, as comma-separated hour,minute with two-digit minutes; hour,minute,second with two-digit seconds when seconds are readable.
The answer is 6,25
